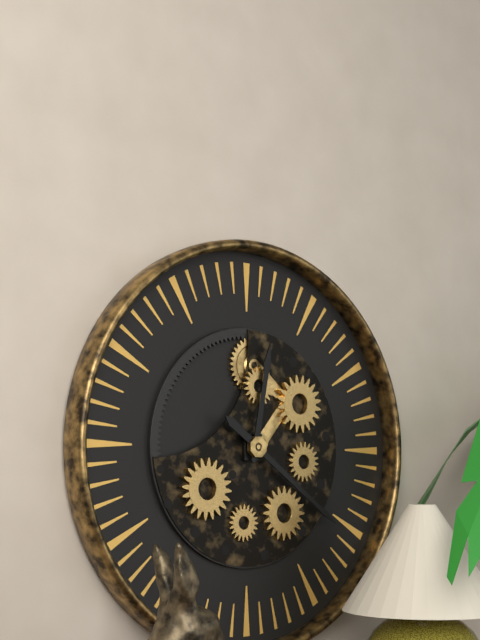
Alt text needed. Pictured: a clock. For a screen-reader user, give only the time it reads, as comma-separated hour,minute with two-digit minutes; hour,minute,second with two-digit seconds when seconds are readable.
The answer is 12,21
